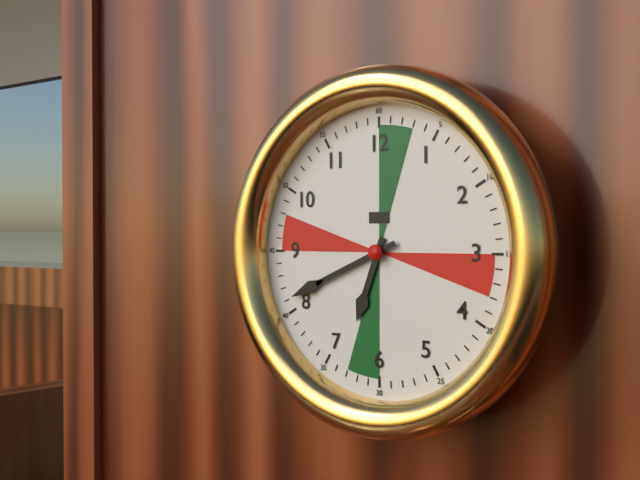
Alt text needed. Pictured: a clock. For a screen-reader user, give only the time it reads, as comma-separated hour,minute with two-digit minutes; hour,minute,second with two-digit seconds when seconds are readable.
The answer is 6,41
